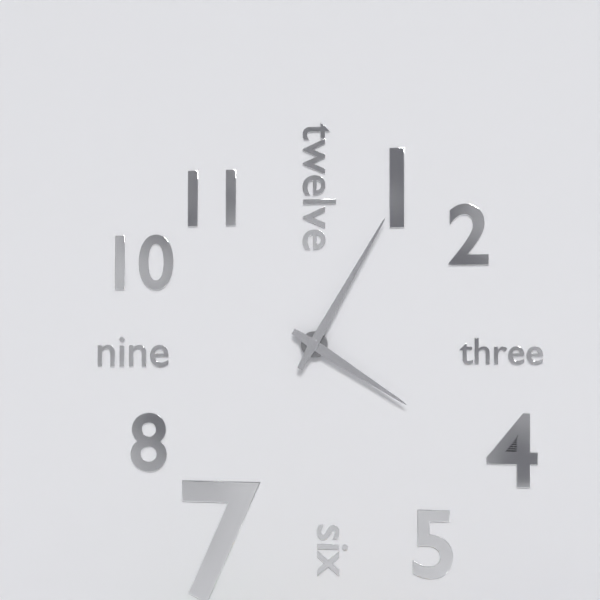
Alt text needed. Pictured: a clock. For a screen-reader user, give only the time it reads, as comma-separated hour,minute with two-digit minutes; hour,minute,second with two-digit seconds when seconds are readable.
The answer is 4,05
